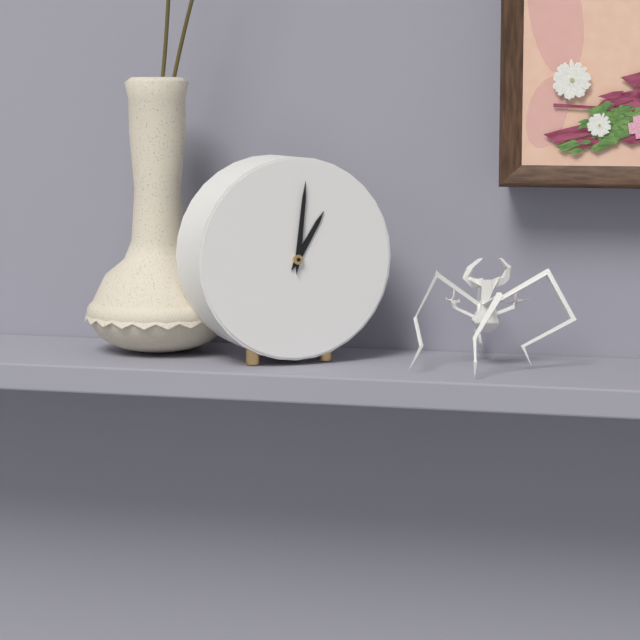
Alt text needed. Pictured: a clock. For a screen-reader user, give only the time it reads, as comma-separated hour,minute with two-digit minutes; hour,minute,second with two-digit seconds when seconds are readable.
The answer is 1,01
